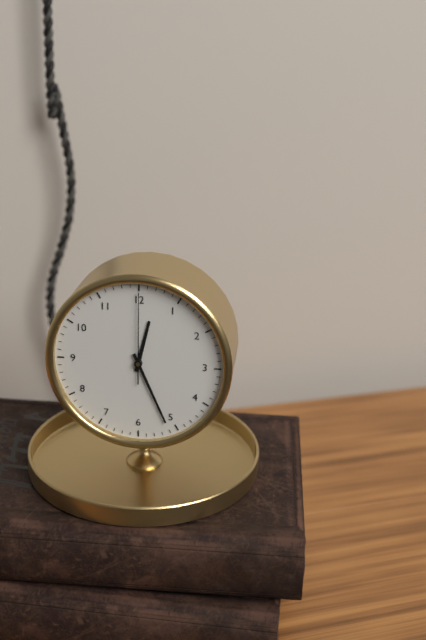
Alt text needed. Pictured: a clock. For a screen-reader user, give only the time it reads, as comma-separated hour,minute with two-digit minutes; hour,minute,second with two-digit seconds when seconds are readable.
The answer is 12,26,00
